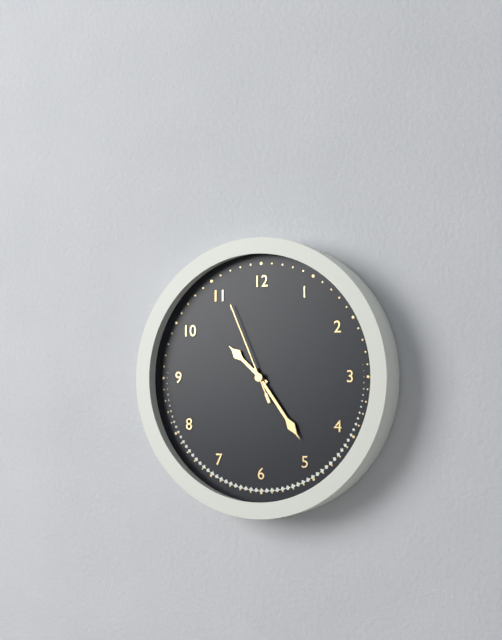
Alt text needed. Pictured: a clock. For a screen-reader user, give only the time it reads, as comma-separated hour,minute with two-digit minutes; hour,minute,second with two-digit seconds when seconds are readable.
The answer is 10,24,56
